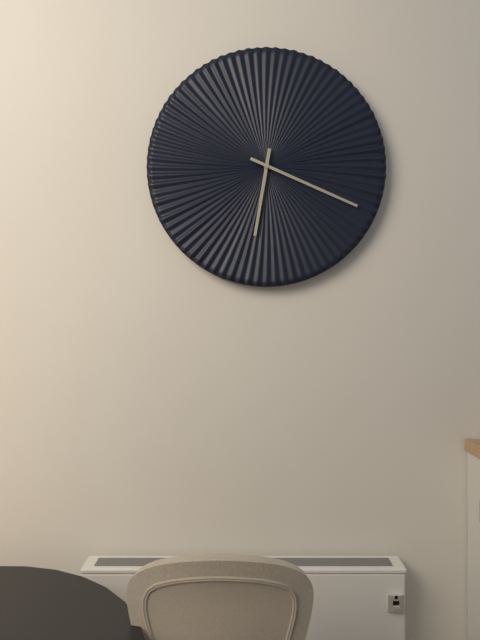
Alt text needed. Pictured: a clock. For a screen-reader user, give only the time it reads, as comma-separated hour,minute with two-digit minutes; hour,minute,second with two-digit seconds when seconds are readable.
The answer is 6,19
